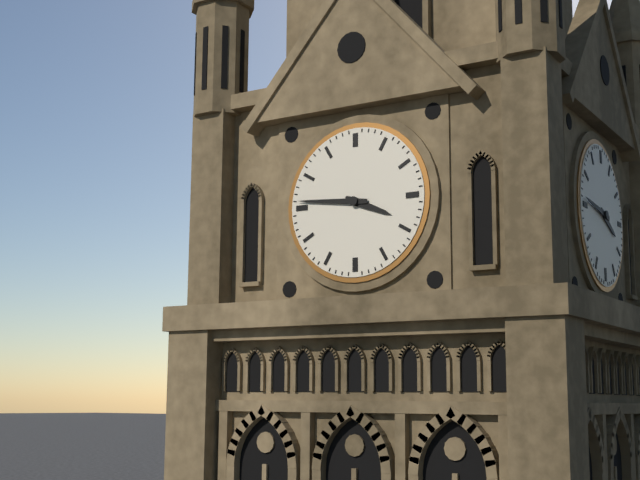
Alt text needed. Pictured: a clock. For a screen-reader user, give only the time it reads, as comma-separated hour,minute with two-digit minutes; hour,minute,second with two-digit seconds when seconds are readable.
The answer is 3,46
